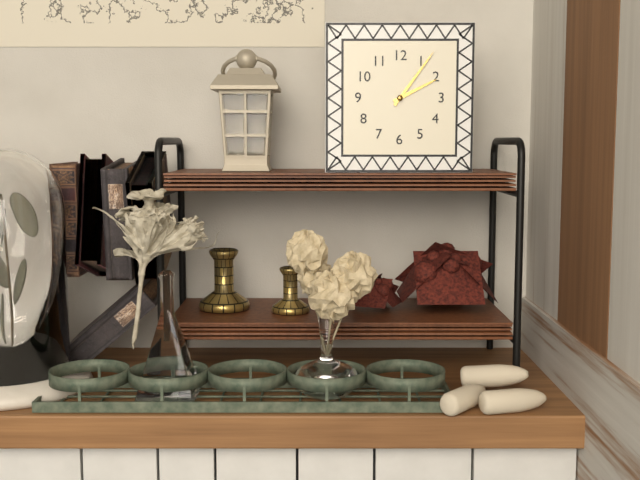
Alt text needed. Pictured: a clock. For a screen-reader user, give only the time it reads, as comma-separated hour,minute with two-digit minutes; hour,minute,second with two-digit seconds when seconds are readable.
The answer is 2,06
